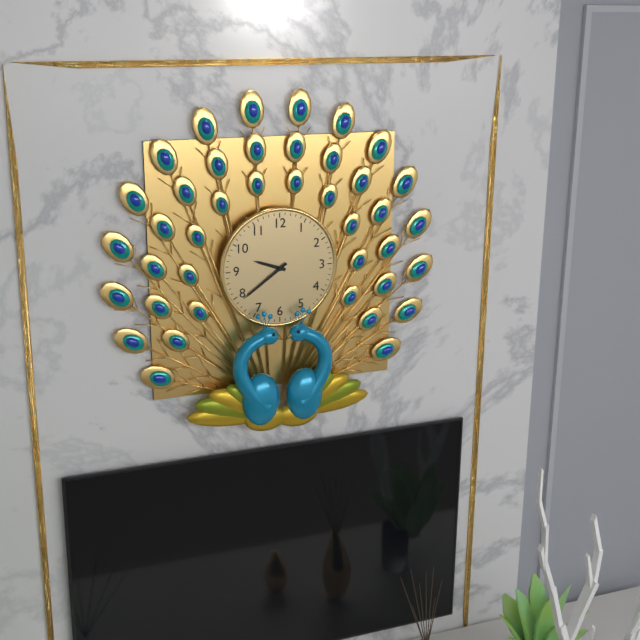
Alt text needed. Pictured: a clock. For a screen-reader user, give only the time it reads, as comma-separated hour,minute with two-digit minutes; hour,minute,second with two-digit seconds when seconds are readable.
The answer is 9,39
